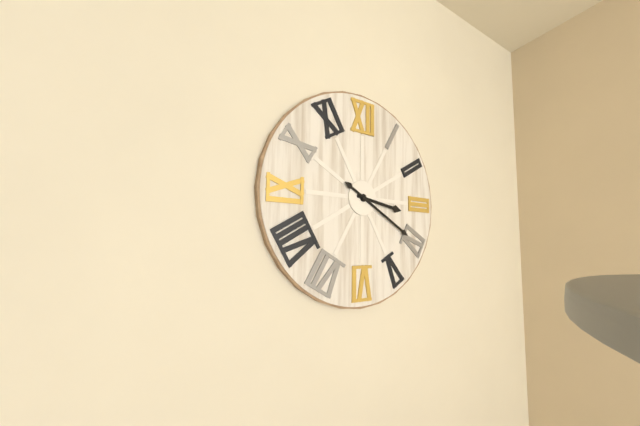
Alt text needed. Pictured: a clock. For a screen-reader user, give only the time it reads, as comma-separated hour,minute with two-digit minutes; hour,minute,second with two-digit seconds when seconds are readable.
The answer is 3,20
